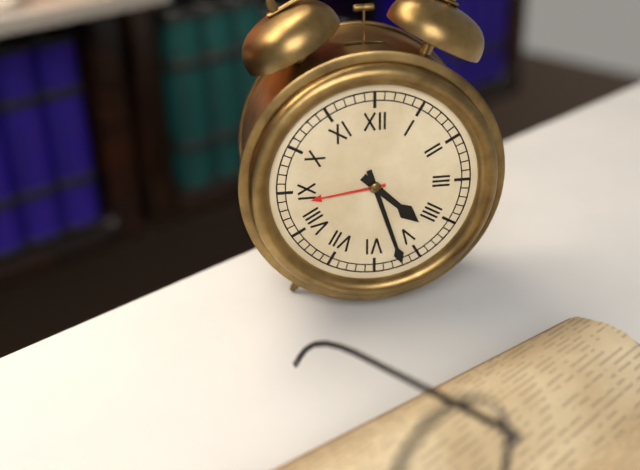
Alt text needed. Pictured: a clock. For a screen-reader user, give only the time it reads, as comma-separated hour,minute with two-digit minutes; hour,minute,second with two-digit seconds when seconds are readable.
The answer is 4,27
